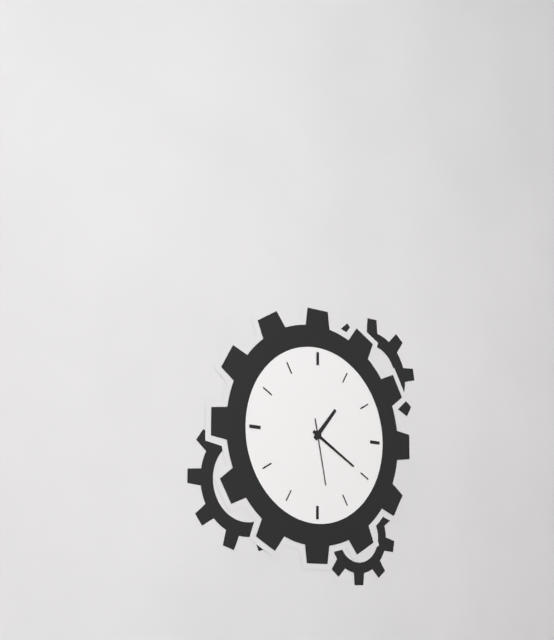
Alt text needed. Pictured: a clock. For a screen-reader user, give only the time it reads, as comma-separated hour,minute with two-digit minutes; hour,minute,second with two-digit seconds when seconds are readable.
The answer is 1,20,28
